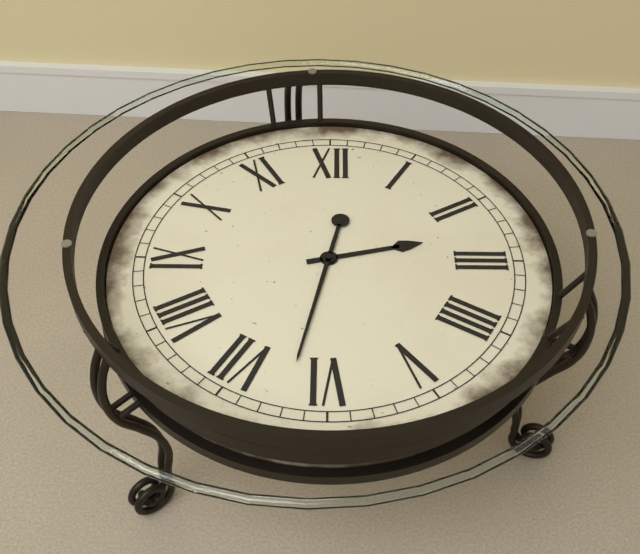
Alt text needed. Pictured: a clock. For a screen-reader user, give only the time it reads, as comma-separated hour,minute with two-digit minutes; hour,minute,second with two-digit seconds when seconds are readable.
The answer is 2,32
